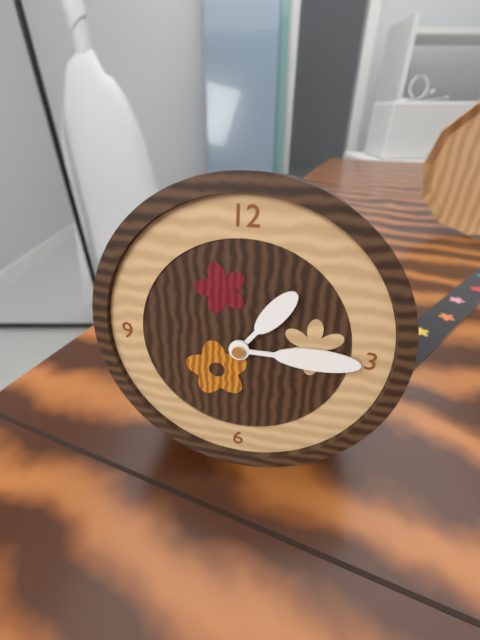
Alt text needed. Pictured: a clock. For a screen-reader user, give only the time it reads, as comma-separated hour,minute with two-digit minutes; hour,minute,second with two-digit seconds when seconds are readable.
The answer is 1,15
